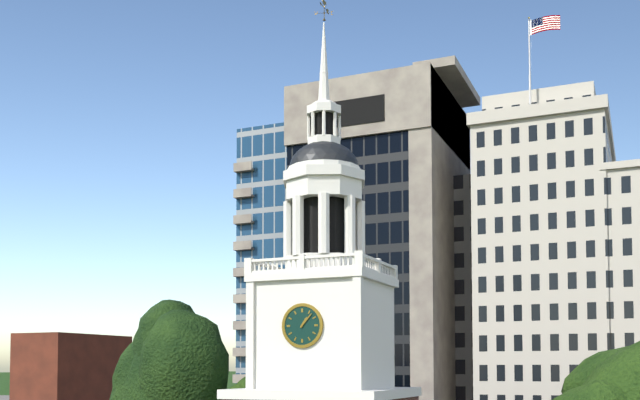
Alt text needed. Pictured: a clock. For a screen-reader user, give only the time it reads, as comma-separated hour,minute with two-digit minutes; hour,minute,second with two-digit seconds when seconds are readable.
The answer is 1,07
